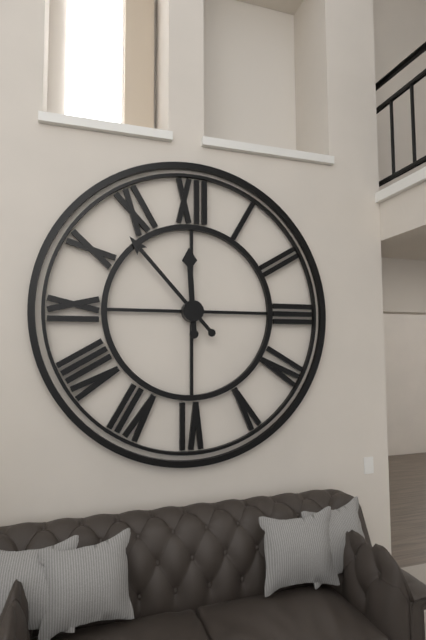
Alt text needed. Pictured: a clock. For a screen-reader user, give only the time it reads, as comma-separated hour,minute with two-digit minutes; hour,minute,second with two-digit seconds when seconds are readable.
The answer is 11,53
